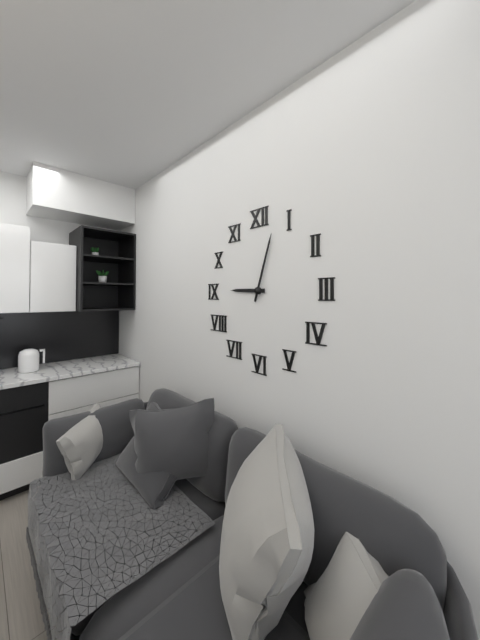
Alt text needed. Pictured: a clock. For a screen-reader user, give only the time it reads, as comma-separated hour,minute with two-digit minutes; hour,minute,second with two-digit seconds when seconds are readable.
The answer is 9,03
